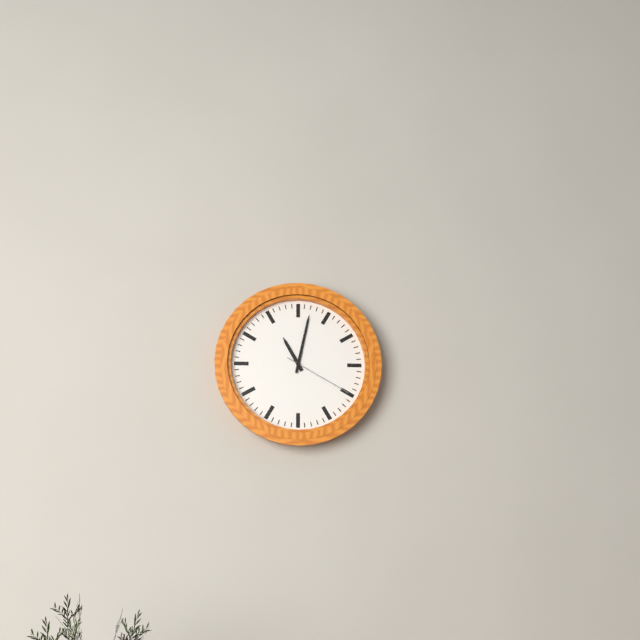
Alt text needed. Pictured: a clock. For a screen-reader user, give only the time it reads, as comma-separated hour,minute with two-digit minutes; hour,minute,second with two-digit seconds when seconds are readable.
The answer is 11,02,20
